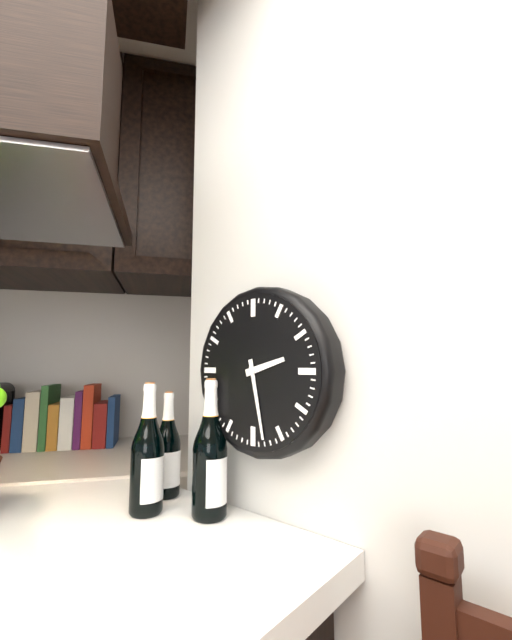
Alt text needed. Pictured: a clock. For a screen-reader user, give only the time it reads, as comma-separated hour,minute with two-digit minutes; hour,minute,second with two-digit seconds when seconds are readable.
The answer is 2,28
